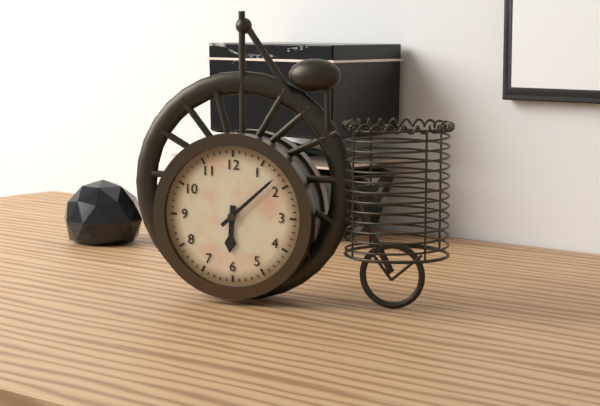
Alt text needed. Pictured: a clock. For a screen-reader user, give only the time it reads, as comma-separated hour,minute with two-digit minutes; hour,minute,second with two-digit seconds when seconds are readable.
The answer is 6,08
